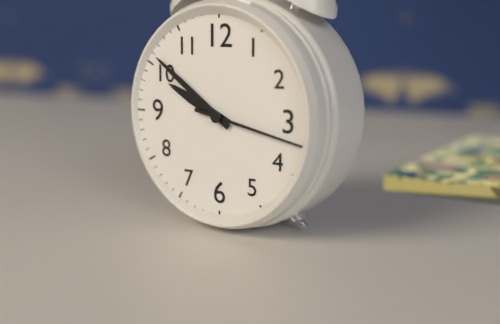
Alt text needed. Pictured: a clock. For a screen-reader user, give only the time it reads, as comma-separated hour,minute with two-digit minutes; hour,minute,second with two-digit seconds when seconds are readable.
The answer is 9,51,17
